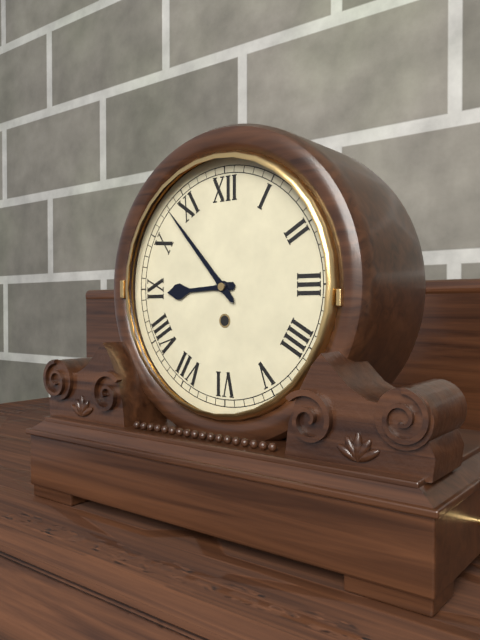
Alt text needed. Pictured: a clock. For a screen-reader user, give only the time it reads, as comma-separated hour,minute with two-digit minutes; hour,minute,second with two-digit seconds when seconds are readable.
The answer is 8,53
